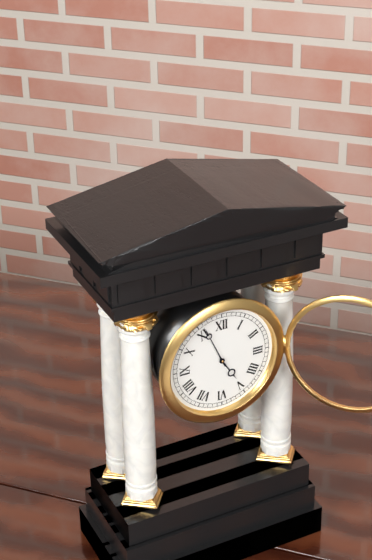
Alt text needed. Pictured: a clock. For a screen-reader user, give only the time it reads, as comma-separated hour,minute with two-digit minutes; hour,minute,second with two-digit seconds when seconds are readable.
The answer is 4,56
